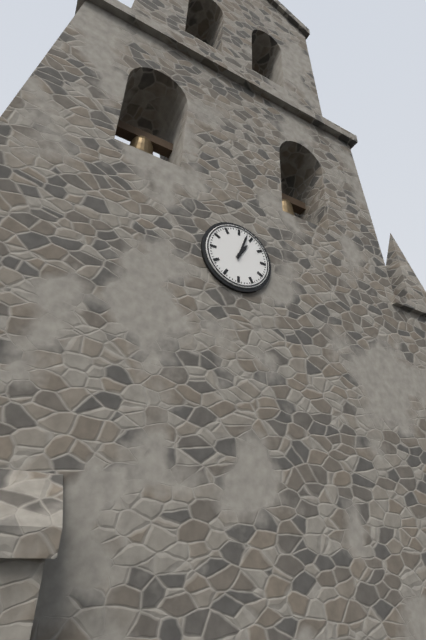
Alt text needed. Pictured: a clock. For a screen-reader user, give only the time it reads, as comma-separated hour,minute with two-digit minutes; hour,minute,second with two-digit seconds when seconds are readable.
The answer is 1,03
